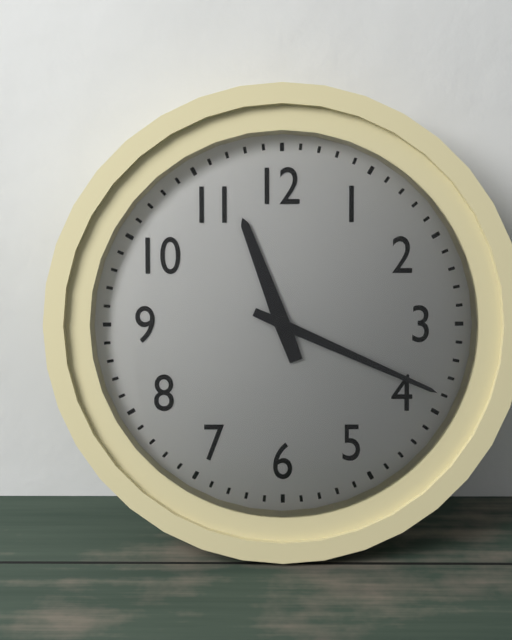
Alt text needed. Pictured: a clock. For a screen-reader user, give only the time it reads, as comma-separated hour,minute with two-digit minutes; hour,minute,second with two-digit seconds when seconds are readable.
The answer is 11,19
